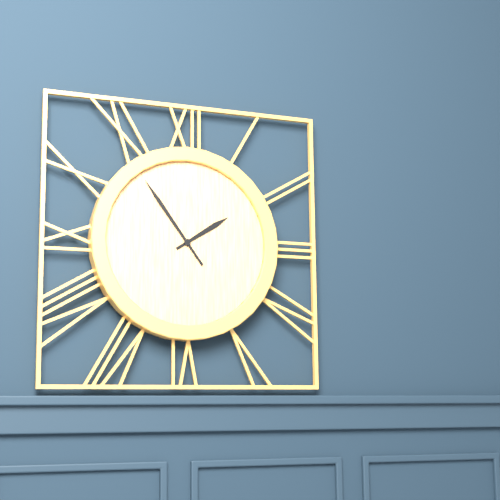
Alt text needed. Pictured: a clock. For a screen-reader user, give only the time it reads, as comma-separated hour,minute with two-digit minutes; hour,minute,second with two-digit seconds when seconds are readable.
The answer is 1,54
